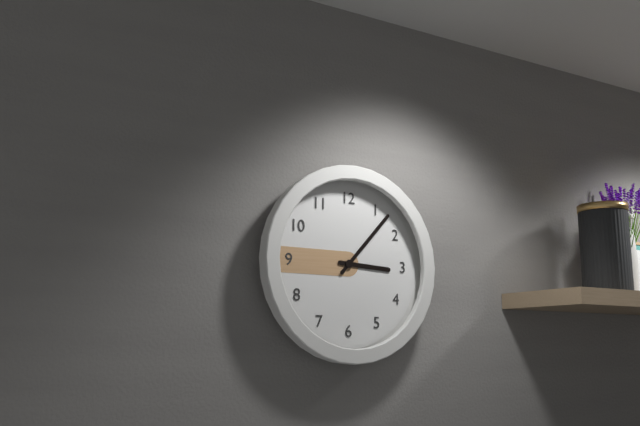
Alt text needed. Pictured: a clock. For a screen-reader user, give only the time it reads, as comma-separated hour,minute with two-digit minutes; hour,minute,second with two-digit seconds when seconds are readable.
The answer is 3,07
